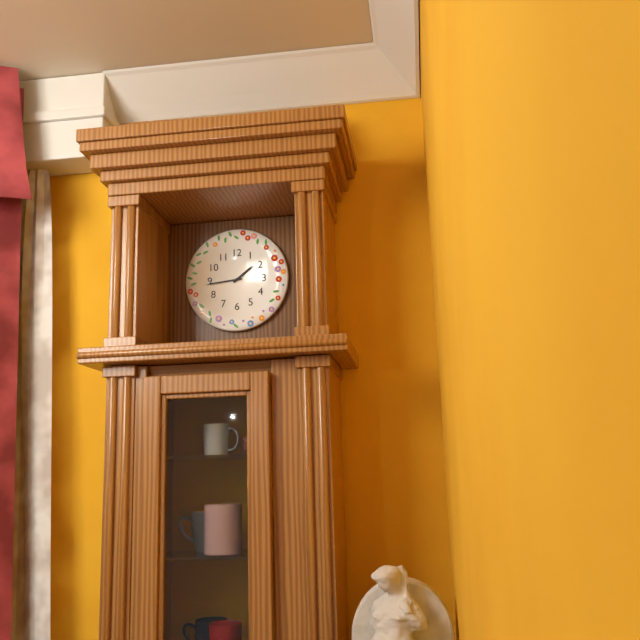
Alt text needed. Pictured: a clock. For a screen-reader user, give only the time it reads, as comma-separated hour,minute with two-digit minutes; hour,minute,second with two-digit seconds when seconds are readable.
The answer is 1,44
